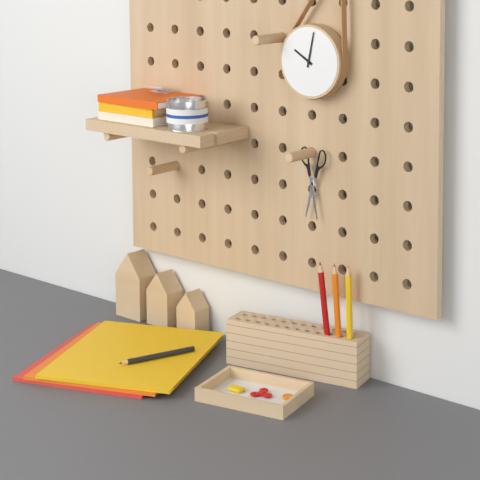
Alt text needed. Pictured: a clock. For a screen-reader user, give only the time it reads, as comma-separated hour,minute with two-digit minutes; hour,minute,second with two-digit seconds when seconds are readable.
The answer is 10,02
